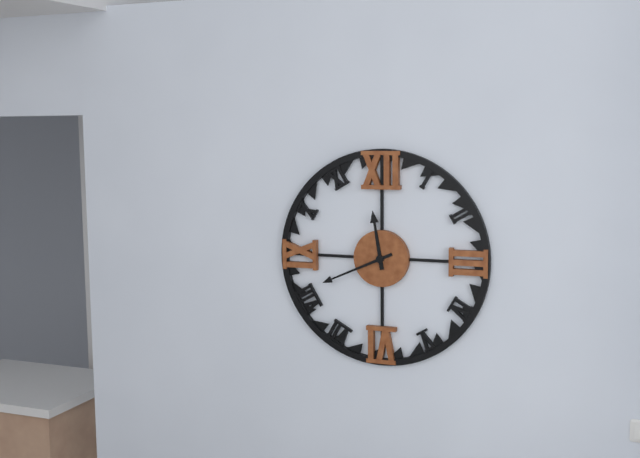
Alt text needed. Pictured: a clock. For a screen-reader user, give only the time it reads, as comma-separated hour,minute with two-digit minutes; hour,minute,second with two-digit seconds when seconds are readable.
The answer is 11,41
